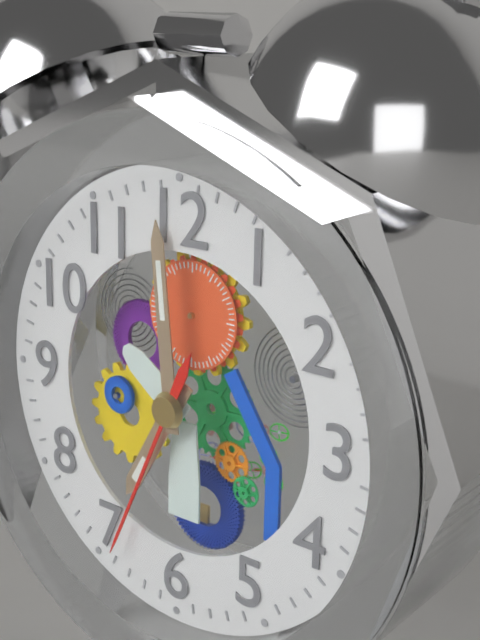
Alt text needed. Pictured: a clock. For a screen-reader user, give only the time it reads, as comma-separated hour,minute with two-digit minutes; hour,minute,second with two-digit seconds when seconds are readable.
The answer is 6,59,34
